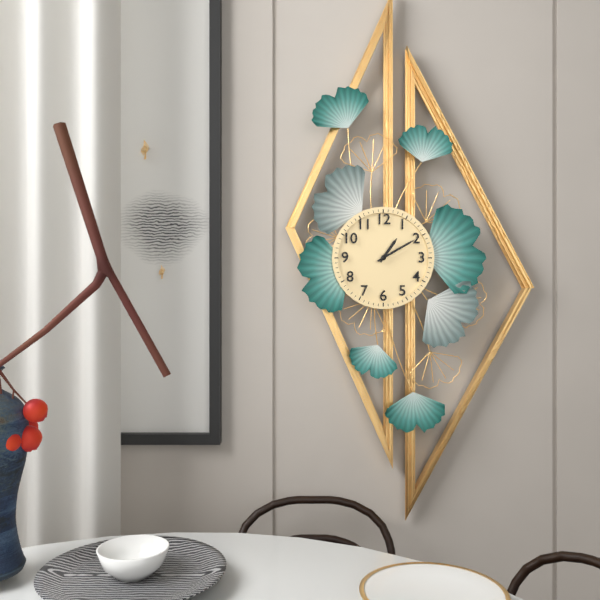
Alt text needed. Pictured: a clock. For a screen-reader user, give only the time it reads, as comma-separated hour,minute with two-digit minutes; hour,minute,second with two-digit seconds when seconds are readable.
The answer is 1,10
